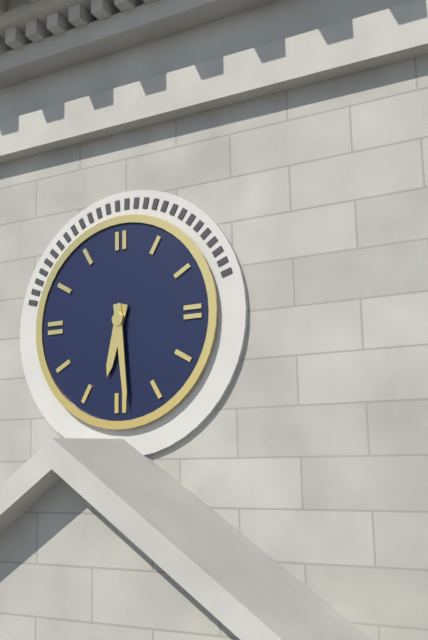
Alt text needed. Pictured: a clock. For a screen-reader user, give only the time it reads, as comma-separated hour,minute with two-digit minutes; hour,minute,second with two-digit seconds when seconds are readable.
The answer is 6,29
